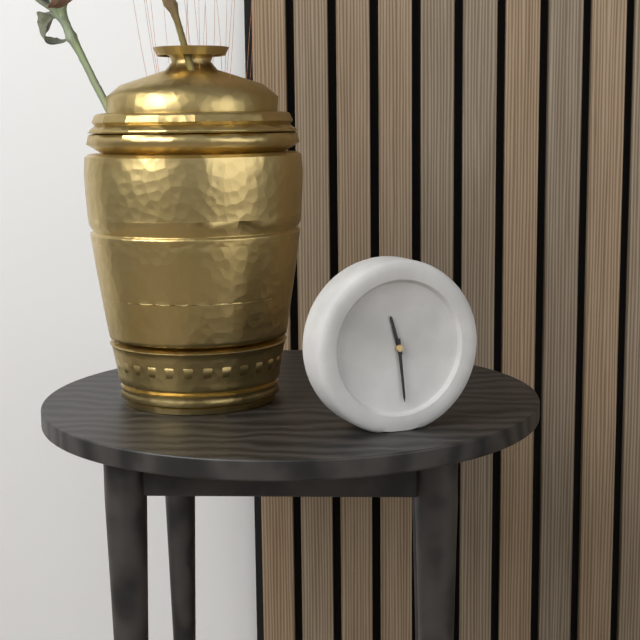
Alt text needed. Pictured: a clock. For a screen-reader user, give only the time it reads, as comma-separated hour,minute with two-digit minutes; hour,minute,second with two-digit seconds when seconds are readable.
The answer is 11,29
